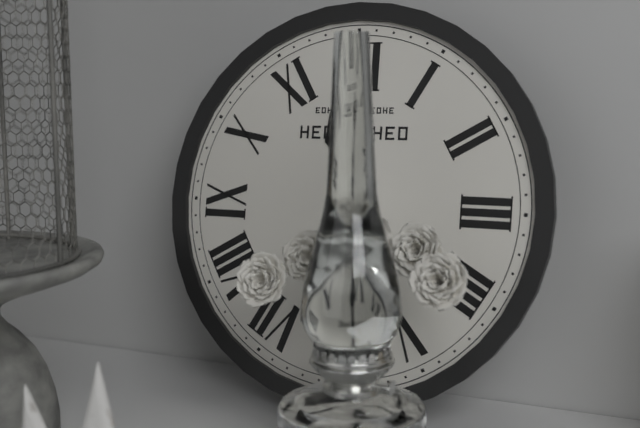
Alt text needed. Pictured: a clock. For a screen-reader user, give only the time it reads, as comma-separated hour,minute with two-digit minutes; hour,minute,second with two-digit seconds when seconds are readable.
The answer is 11,29
